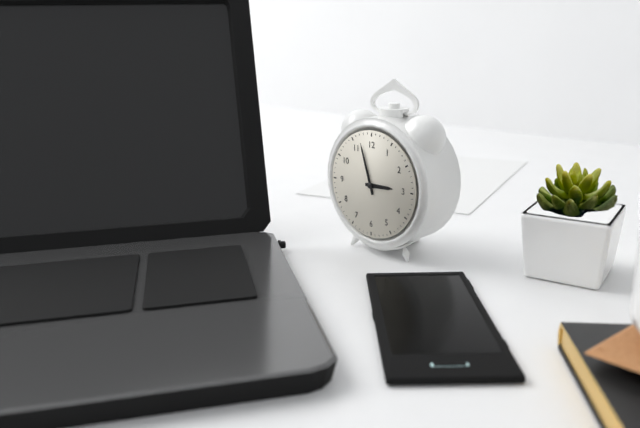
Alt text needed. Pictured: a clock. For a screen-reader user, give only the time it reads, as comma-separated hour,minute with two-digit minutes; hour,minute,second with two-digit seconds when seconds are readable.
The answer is 2,57
